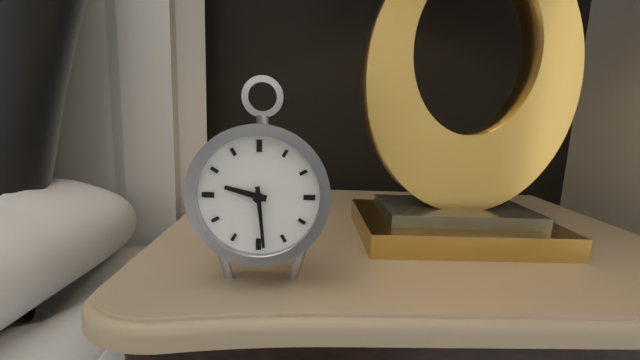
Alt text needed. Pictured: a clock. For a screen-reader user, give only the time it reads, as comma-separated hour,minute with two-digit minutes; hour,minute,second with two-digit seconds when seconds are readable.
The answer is 9,29
